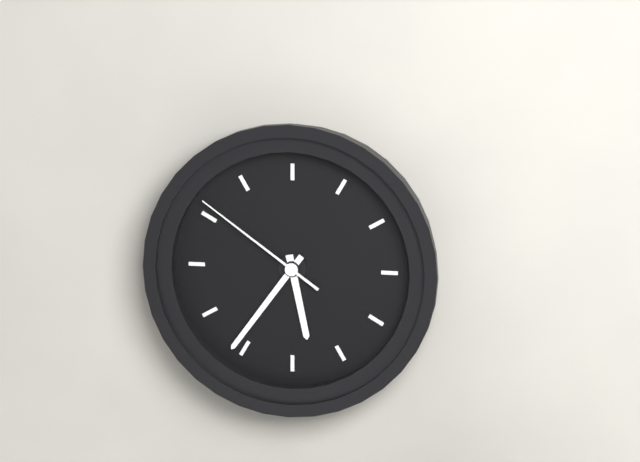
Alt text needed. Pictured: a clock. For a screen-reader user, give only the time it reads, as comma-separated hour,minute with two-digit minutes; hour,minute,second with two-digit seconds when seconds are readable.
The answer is 5,36,51
